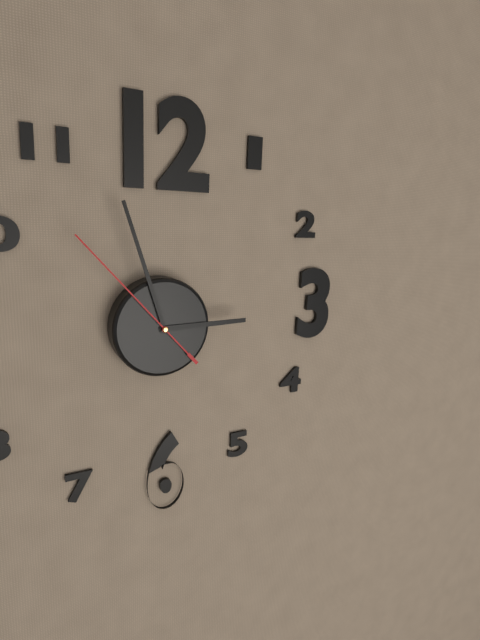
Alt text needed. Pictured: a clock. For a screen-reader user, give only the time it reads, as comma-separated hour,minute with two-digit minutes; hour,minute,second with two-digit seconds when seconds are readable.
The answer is 2,57,53
